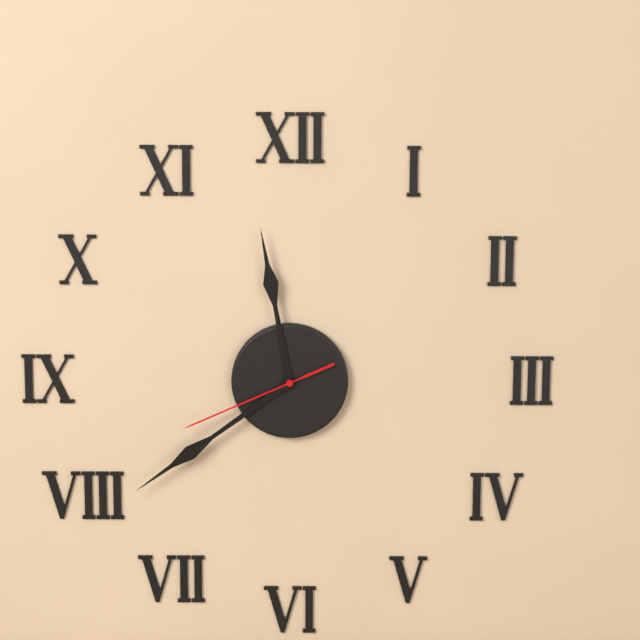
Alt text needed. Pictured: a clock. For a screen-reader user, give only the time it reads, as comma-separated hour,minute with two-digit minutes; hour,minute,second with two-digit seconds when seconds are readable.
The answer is 11,39,41
